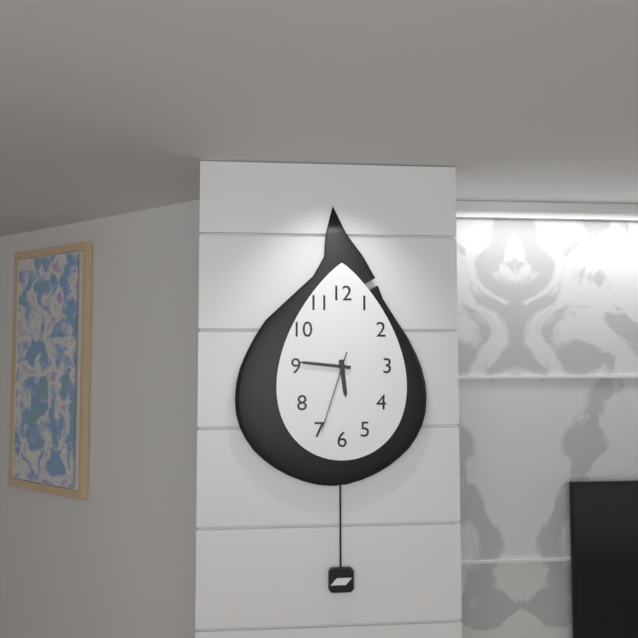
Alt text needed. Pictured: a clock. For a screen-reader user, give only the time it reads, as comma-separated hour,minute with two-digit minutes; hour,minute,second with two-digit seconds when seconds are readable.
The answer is 5,46,33
